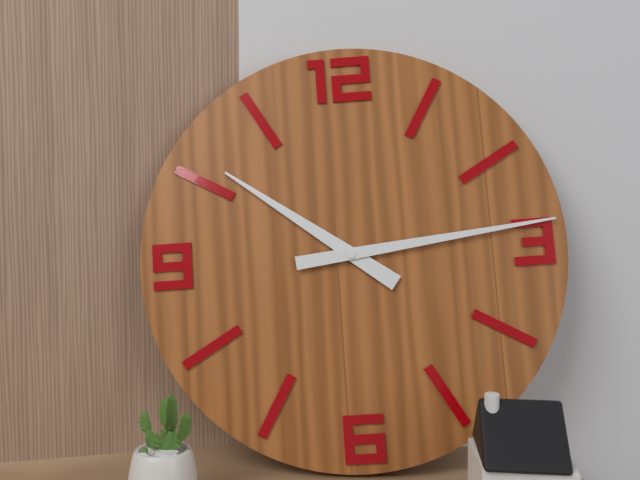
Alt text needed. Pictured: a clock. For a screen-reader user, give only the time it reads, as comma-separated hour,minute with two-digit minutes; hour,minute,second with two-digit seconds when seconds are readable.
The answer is 10,14
